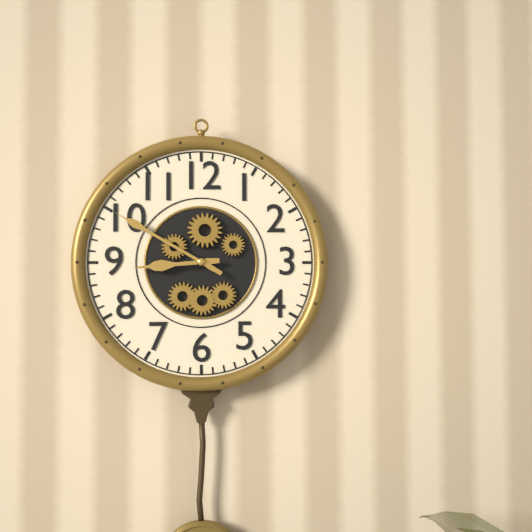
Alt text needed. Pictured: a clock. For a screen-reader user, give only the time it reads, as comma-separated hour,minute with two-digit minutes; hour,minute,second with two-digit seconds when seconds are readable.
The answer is 8,50
